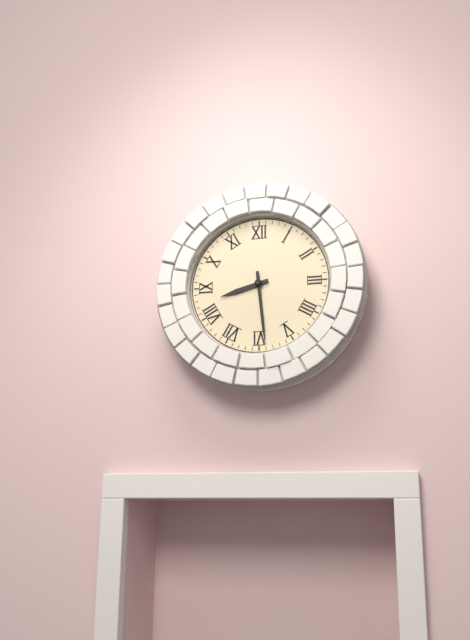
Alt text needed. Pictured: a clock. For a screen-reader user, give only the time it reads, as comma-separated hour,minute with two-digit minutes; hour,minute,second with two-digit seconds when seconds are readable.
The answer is 8,29
